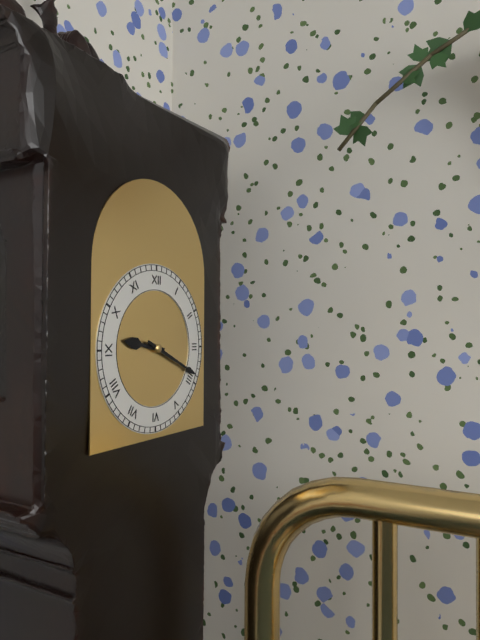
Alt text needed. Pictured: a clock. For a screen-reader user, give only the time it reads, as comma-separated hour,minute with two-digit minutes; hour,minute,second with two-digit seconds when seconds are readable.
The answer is 9,19
